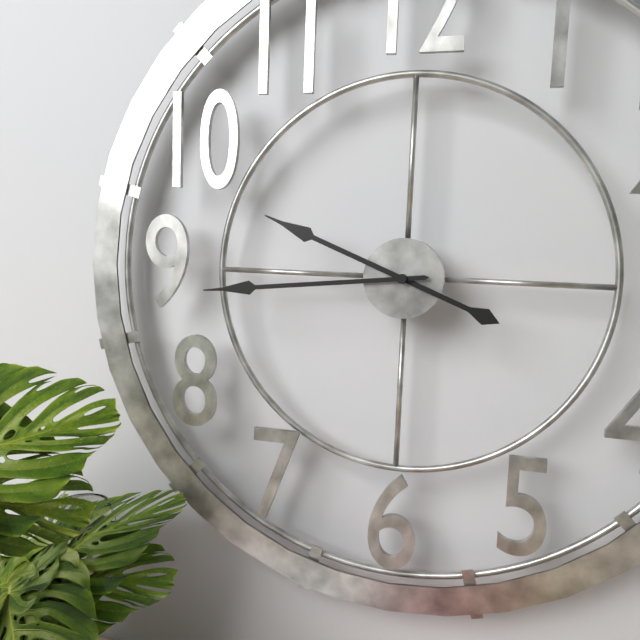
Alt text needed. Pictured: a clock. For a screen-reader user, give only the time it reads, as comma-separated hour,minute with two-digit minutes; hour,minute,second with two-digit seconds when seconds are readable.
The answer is 9,44
